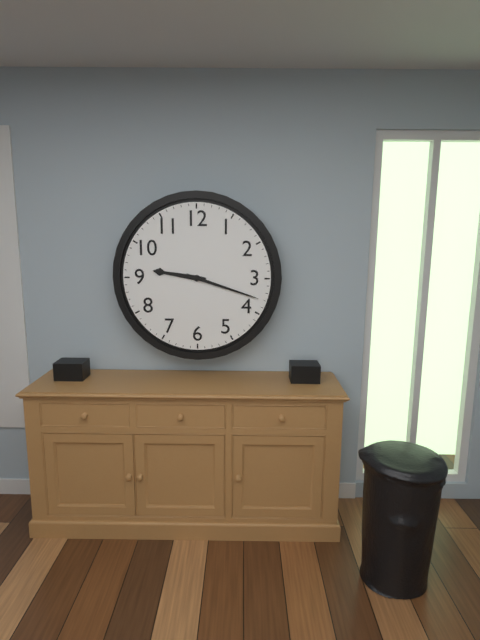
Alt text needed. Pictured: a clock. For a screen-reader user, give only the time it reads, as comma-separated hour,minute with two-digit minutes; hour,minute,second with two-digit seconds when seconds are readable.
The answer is 9,18
